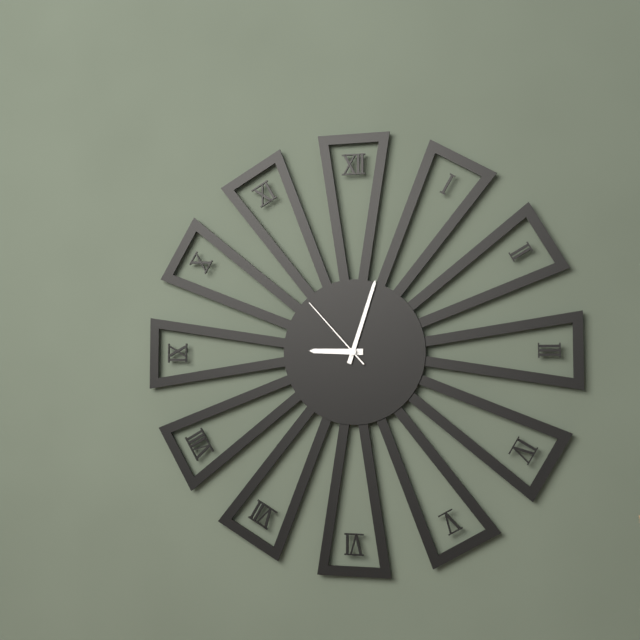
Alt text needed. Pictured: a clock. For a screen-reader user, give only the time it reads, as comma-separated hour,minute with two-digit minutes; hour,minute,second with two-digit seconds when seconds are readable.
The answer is 9,03,53
